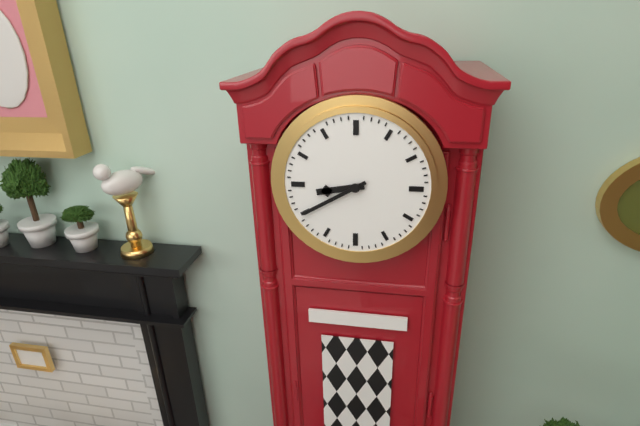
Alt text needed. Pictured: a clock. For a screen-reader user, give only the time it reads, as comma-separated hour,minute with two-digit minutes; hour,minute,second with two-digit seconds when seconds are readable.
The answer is 8,40
